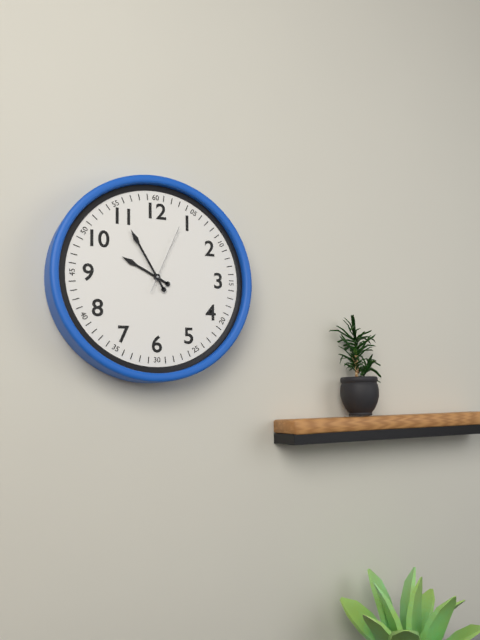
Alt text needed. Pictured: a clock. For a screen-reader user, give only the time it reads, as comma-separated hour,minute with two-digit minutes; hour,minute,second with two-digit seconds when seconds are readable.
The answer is 9,55,04
